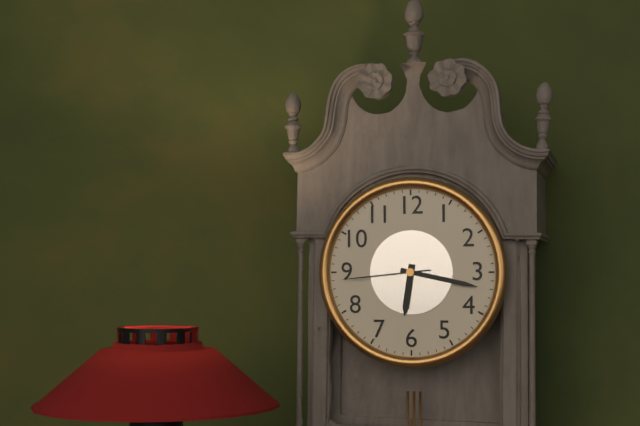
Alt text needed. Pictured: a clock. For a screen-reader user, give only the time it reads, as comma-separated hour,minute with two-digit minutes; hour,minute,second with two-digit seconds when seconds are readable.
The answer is 6,17,44
